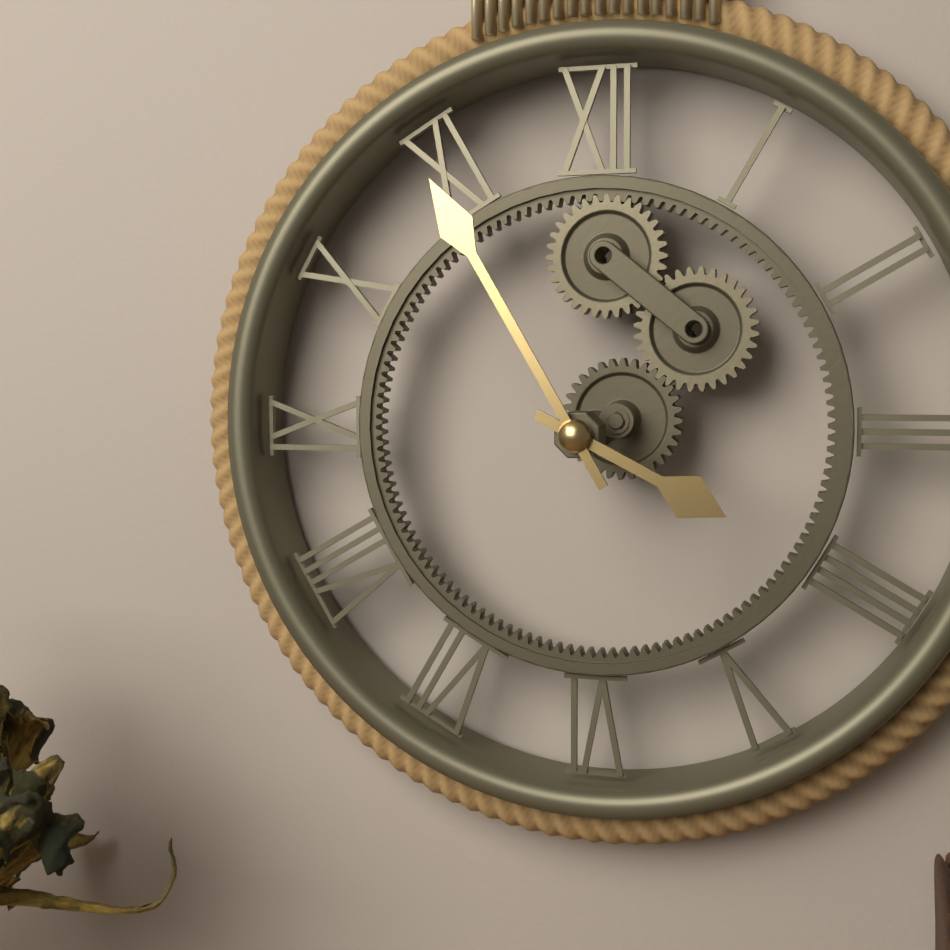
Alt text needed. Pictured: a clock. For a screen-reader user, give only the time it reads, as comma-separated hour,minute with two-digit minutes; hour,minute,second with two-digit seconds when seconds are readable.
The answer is 3,55
